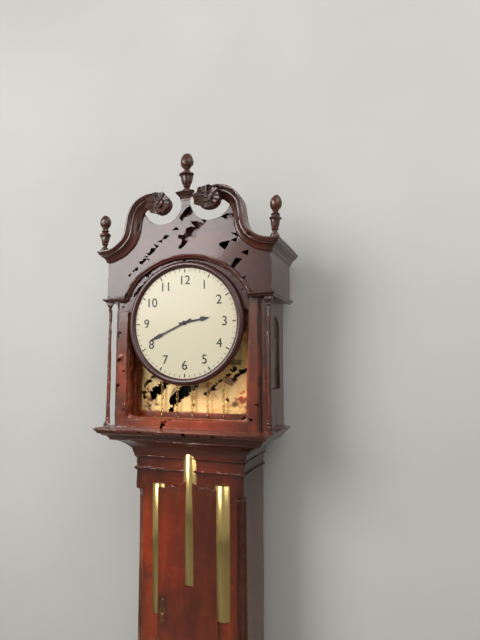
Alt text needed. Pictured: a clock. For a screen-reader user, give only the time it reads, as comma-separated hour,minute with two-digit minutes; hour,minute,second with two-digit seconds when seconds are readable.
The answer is 2,41
